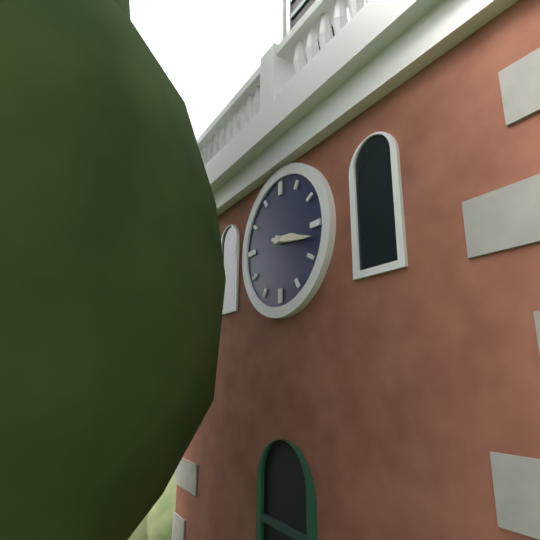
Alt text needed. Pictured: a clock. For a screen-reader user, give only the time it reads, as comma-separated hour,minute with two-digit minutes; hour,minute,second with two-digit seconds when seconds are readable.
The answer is 3,17
